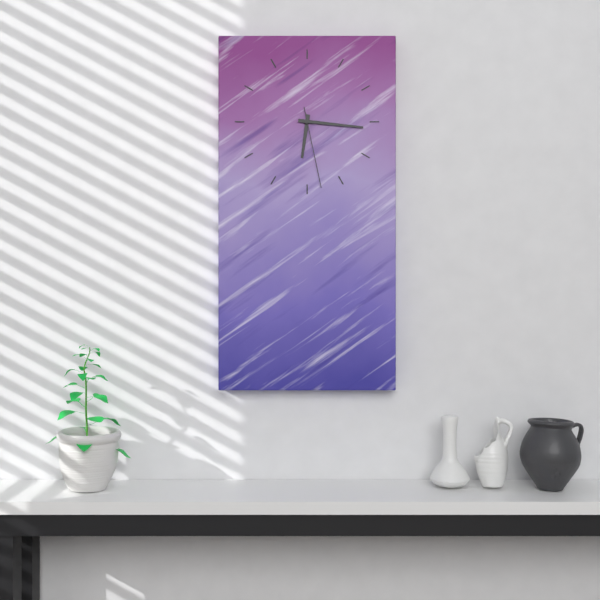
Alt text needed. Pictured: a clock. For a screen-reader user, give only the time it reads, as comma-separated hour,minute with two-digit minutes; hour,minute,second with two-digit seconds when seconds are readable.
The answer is 6,16,28
